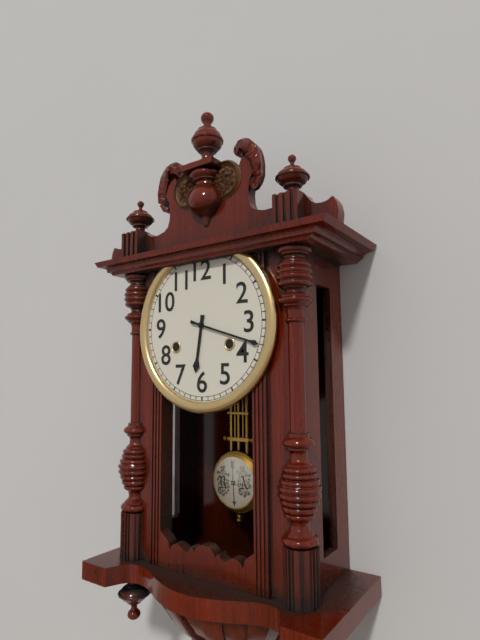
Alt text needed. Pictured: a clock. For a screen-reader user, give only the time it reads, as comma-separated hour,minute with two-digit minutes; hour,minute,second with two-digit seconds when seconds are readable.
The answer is 6,18
